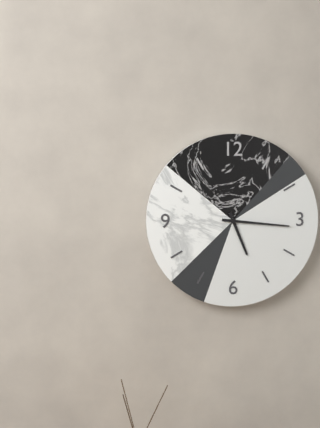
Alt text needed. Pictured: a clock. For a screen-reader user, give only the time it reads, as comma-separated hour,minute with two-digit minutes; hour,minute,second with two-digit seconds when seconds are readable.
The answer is 5,16
